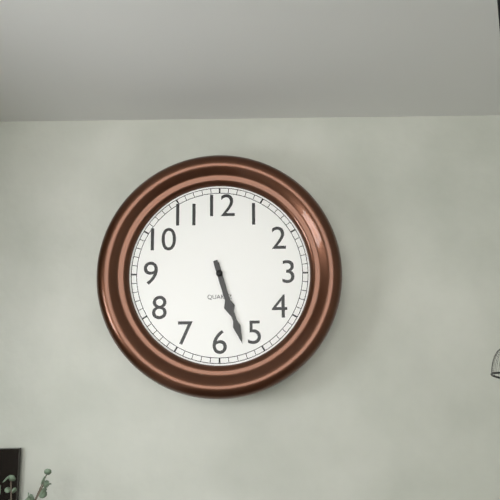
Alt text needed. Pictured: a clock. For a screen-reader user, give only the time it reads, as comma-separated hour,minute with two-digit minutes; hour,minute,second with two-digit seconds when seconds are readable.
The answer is 5,27
